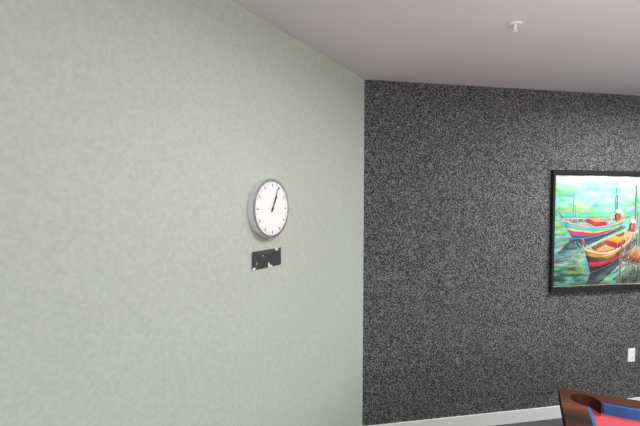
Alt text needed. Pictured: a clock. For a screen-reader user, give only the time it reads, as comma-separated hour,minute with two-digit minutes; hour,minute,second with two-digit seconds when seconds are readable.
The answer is 1,04
